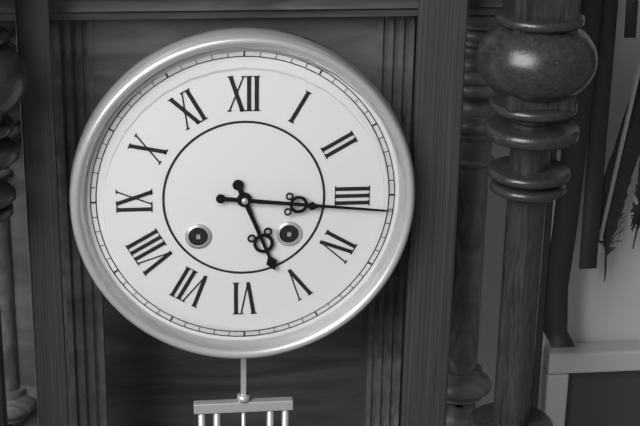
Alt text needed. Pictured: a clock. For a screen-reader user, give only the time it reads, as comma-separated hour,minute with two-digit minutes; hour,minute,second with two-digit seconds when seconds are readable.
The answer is 5,16
